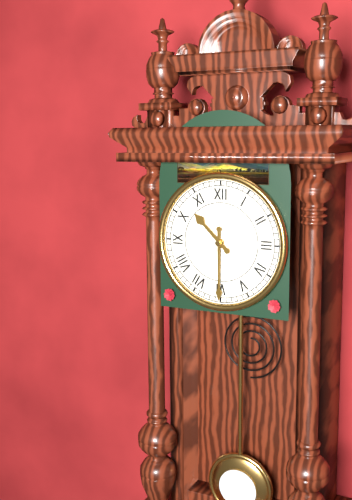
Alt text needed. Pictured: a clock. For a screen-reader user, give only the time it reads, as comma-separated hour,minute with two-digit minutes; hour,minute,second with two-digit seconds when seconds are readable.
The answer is 10,30
